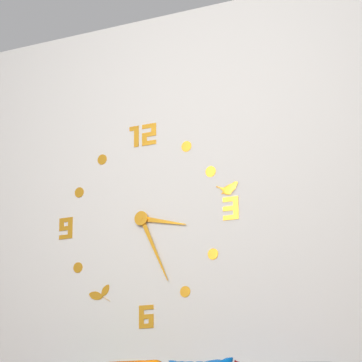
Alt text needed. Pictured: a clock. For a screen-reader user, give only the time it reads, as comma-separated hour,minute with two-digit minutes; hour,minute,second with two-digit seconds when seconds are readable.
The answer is 3,26
